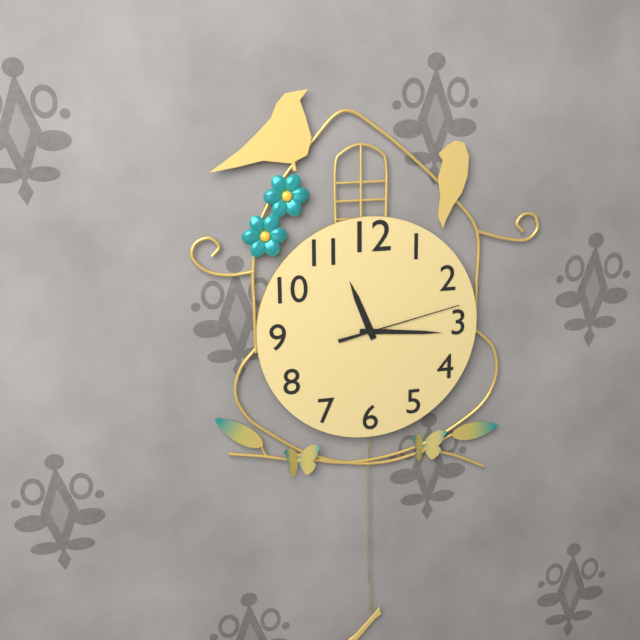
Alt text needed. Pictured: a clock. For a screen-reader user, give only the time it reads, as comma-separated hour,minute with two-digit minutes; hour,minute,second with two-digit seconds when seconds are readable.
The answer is 11,16,13
